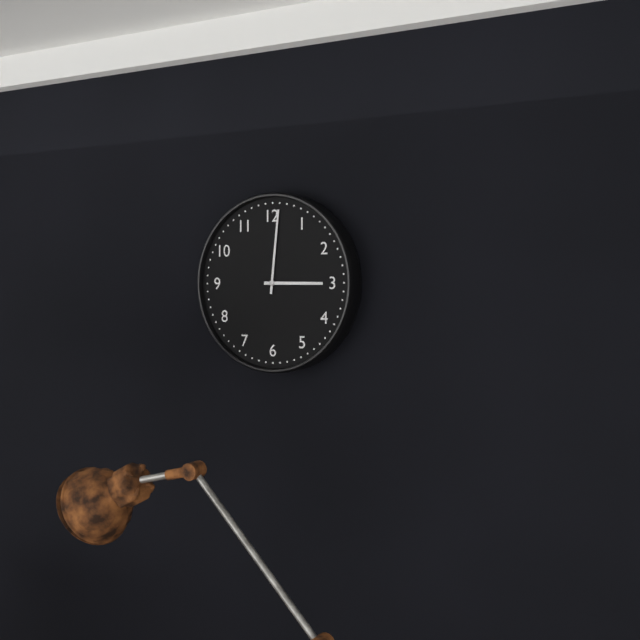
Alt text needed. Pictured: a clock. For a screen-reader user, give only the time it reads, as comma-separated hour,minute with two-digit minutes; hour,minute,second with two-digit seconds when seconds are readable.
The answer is 3,01
